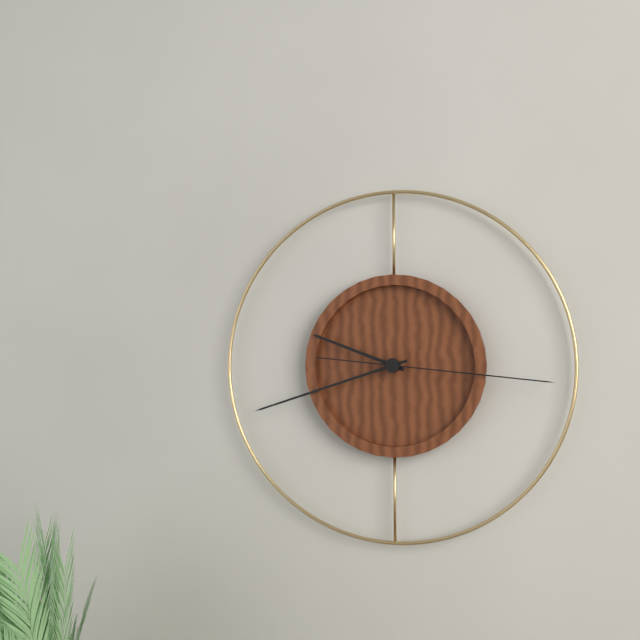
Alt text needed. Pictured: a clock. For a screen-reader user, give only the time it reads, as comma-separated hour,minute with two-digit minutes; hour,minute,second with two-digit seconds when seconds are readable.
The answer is 9,42,16
